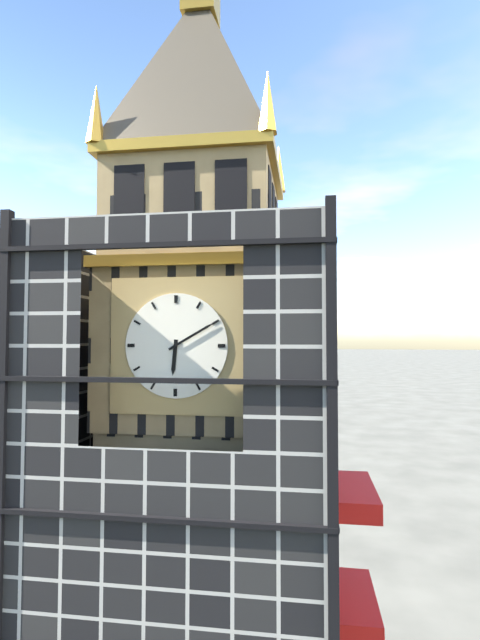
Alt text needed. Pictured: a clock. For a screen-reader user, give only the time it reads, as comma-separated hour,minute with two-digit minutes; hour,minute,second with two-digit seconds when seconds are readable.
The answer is 6,10
